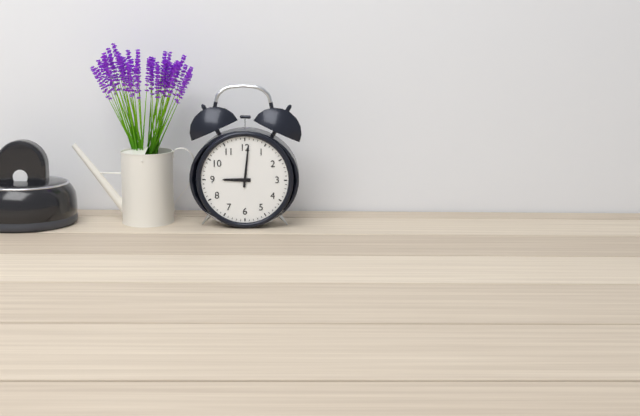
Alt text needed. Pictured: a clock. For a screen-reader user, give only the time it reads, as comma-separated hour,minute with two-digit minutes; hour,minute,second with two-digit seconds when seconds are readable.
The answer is 9,01
